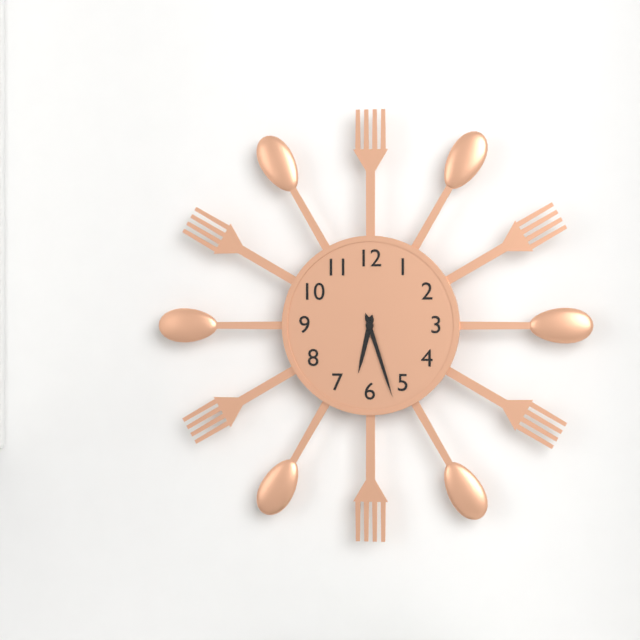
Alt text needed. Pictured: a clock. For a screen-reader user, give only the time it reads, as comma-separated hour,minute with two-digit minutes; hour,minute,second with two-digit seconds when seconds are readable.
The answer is 6,27
